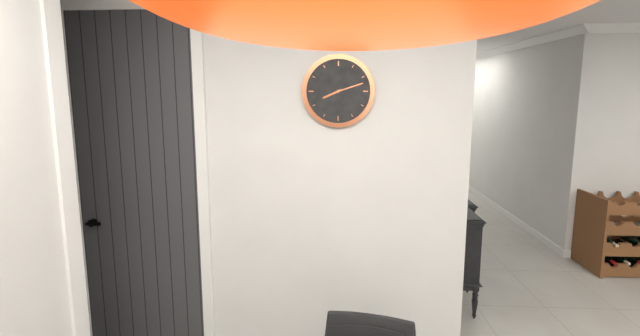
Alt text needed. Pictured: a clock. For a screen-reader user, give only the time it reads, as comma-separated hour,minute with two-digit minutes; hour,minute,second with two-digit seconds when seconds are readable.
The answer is 8,12
